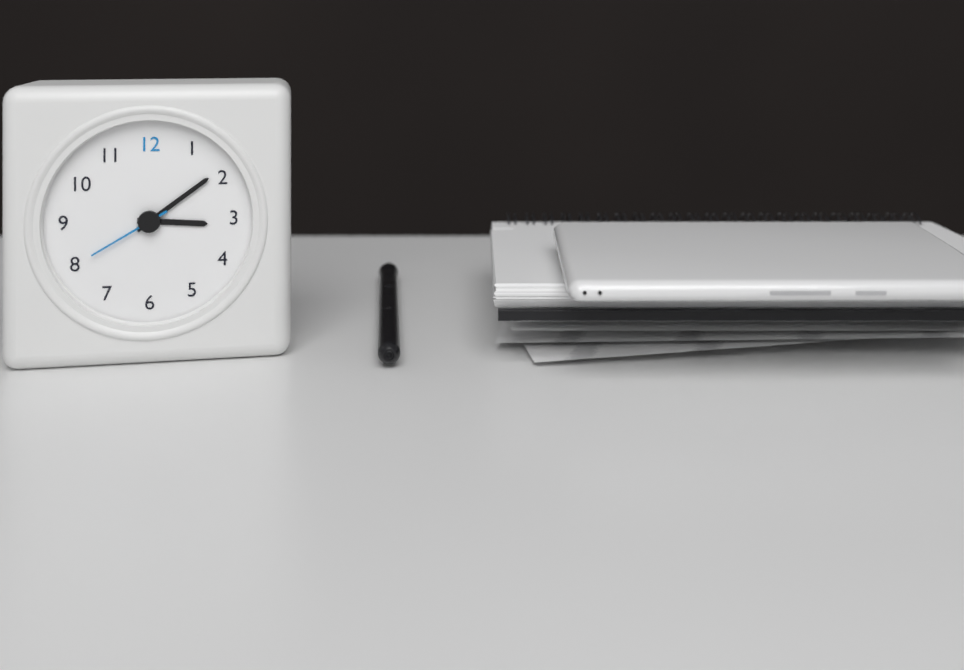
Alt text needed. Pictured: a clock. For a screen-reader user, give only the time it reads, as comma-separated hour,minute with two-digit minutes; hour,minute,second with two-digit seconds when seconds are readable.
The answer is 3,09,40
